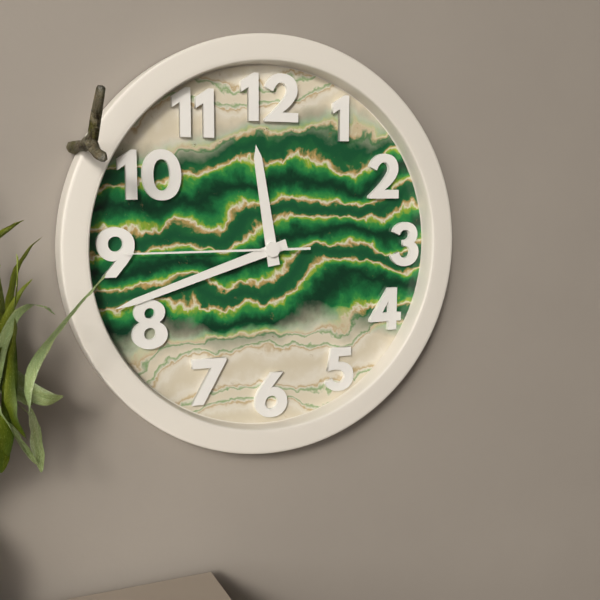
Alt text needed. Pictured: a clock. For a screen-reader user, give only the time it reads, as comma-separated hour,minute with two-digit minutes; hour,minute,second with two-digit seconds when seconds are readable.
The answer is 11,42,45
